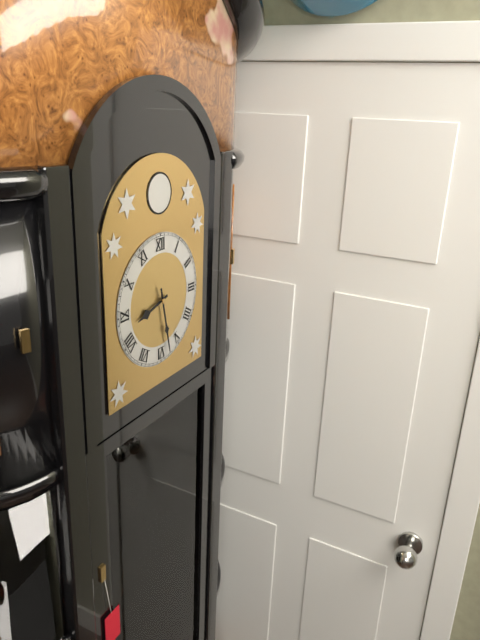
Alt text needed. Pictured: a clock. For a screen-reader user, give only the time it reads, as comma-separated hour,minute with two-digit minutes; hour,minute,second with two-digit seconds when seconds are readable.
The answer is 8,28
